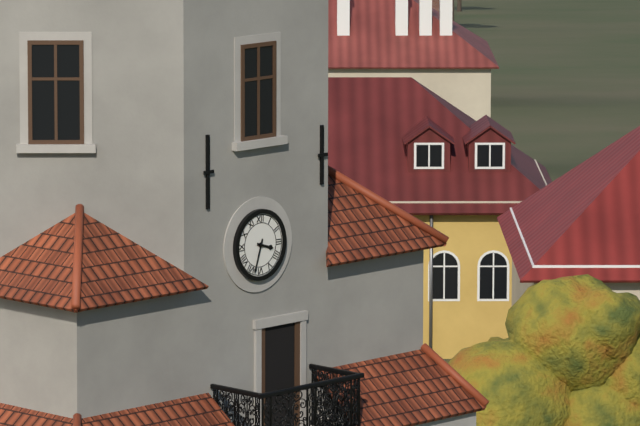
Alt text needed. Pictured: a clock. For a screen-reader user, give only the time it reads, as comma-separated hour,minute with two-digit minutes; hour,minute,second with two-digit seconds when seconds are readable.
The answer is 3,33
